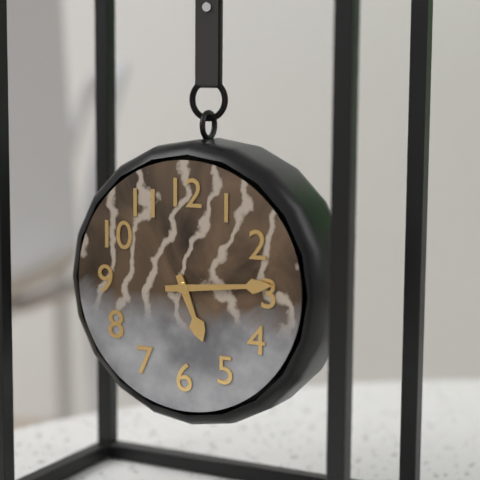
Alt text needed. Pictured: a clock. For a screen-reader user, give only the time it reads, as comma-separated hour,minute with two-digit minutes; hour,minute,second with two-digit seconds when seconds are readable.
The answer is 5,14
